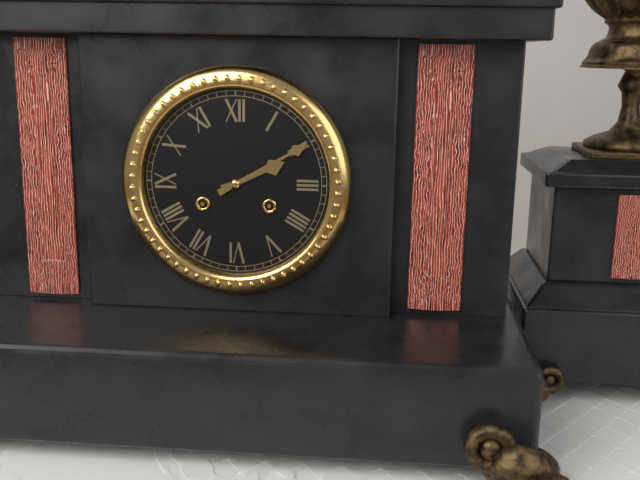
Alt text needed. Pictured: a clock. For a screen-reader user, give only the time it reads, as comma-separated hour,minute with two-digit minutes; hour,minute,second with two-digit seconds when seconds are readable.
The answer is 2,10
